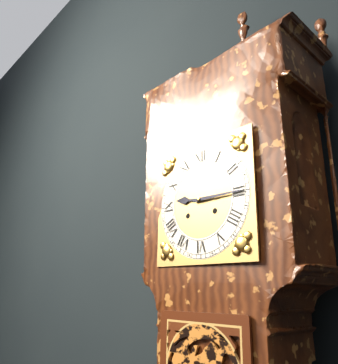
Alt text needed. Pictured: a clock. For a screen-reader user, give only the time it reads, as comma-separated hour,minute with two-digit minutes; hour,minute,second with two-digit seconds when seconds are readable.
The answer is 9,15
